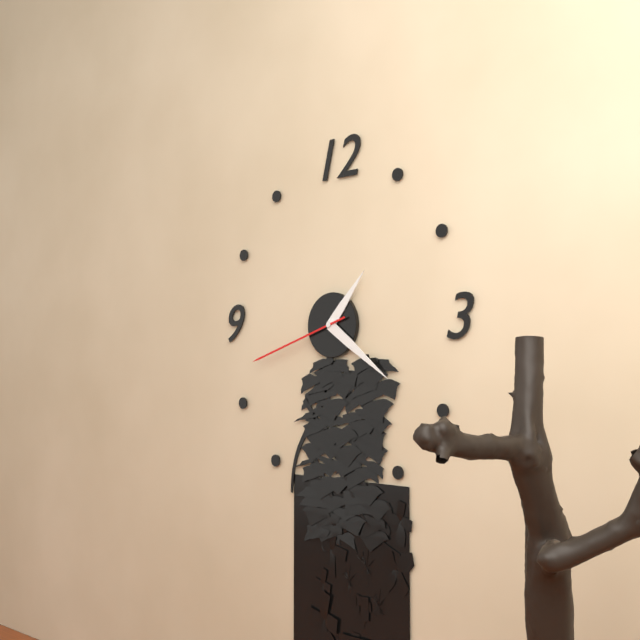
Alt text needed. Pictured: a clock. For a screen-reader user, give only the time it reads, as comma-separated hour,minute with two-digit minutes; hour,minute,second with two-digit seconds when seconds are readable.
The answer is 1,21,42
